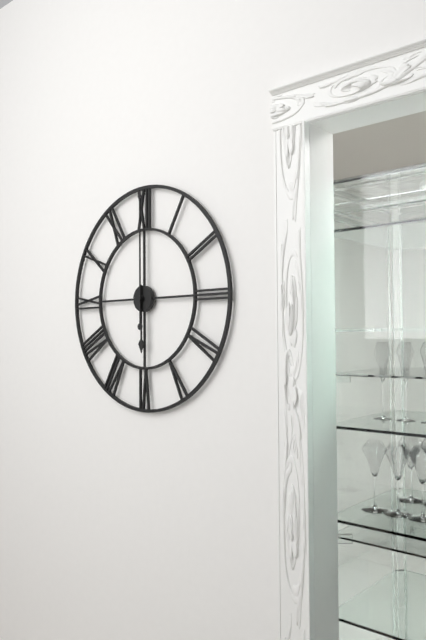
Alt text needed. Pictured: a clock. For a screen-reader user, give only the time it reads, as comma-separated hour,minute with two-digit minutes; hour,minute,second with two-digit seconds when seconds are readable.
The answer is 6,00
